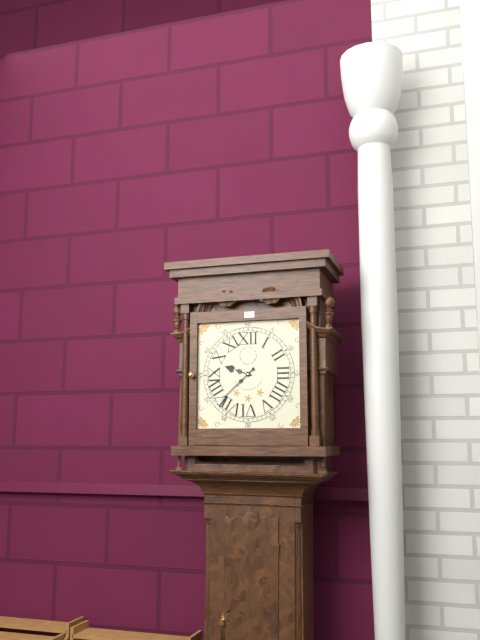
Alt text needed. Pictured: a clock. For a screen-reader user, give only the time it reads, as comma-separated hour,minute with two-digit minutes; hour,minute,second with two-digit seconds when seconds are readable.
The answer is 9,38
